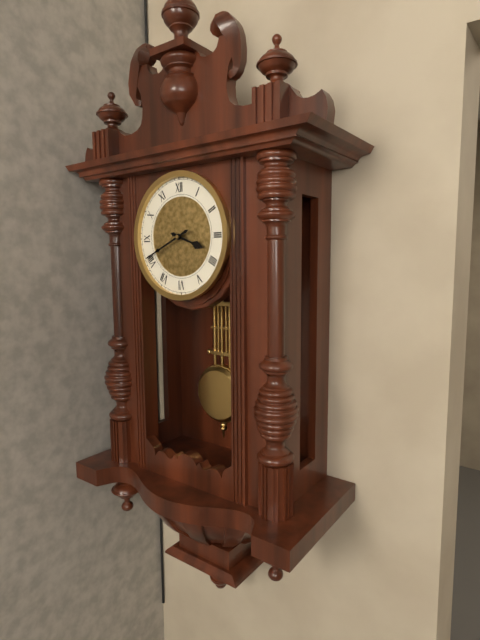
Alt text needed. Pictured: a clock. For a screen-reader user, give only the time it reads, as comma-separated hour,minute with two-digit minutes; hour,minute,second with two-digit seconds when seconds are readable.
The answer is 3,41
